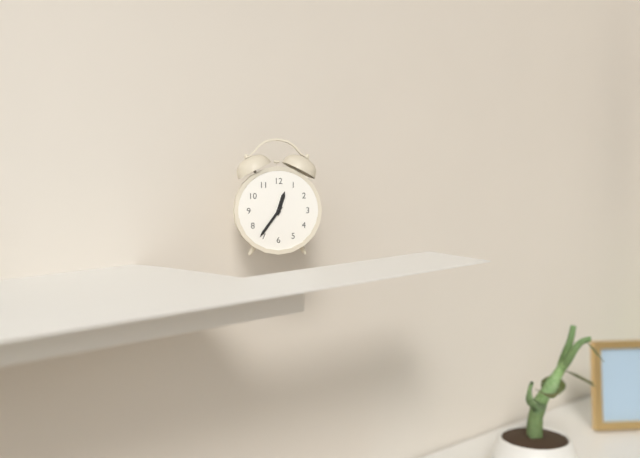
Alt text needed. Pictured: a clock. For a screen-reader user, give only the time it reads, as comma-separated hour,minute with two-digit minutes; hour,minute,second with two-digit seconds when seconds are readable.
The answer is 12,36
